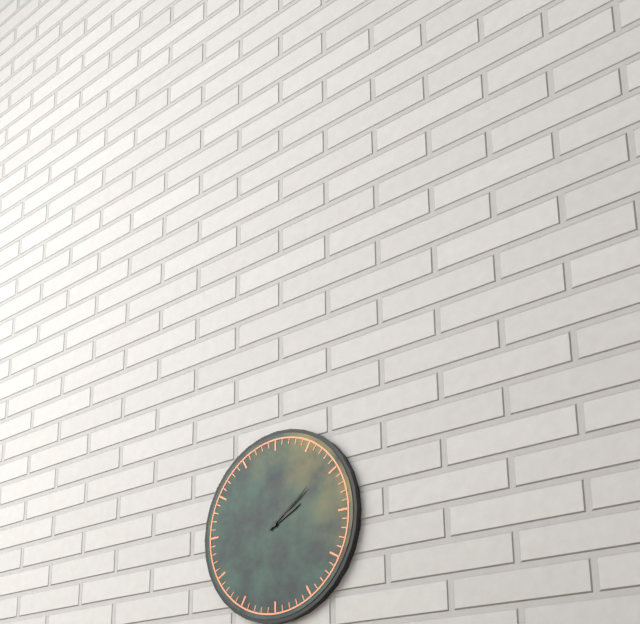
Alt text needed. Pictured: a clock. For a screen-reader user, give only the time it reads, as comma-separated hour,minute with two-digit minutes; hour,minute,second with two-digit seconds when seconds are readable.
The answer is 2,09
